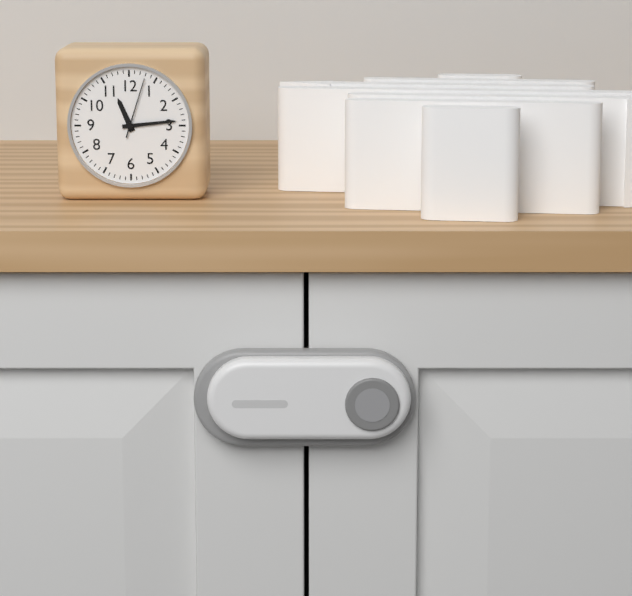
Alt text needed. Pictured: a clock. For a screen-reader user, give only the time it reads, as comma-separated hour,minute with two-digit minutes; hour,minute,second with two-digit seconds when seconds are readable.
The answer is 11,14,03
